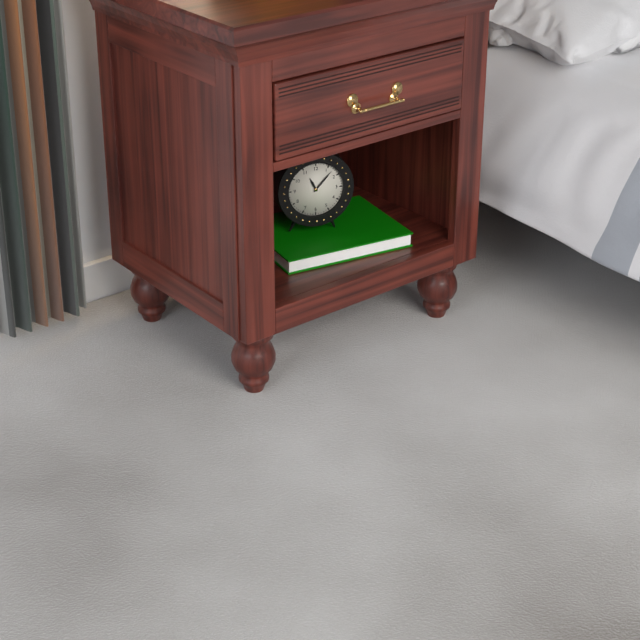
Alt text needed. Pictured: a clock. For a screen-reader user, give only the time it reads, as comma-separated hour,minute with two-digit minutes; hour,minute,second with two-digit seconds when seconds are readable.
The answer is 11,07
